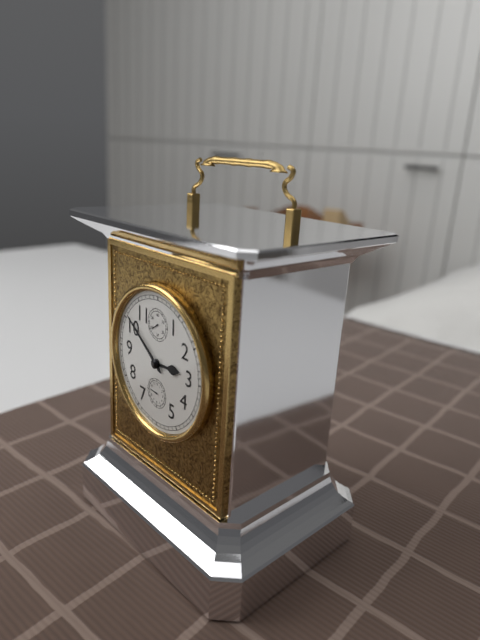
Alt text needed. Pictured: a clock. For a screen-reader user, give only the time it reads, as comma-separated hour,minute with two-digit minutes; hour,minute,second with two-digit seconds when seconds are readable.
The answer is 2,51
